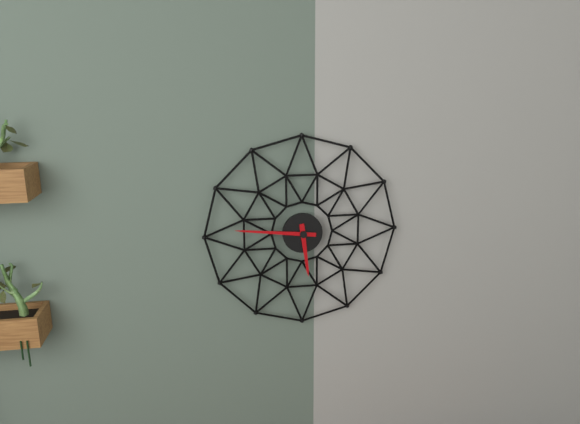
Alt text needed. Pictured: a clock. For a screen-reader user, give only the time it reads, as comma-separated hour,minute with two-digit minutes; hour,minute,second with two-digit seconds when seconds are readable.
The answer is 5,46
